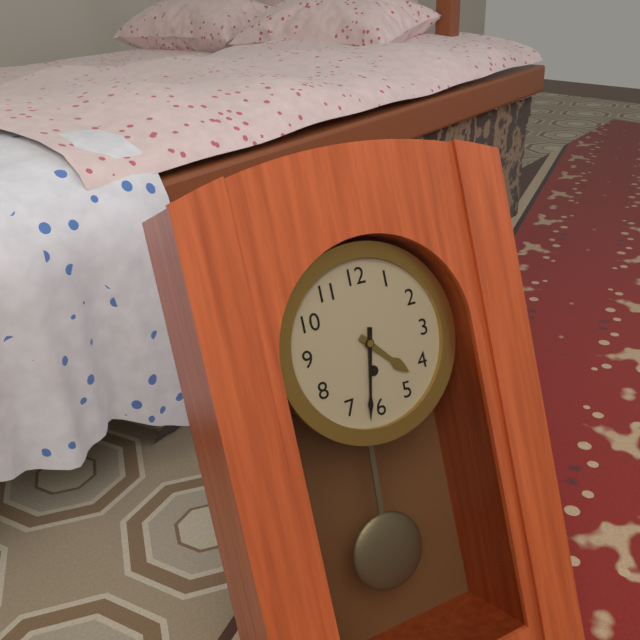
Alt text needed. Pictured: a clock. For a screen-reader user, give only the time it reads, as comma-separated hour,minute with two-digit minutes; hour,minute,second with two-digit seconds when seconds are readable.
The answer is 4,32
